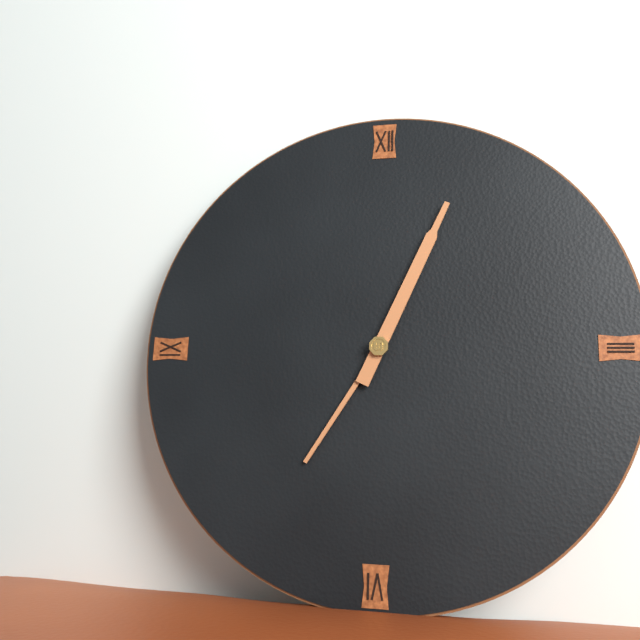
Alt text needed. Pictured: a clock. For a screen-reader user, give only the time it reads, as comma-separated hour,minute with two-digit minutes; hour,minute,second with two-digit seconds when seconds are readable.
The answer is 7,04
